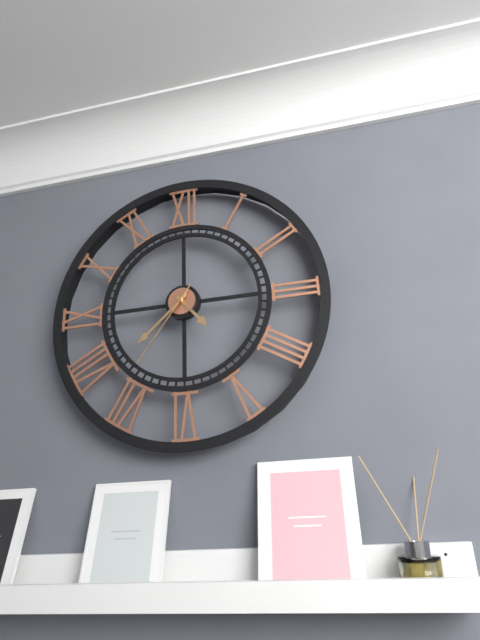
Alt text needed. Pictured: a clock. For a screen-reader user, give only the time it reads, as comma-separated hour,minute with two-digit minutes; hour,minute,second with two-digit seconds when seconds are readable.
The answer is 4,38,36
